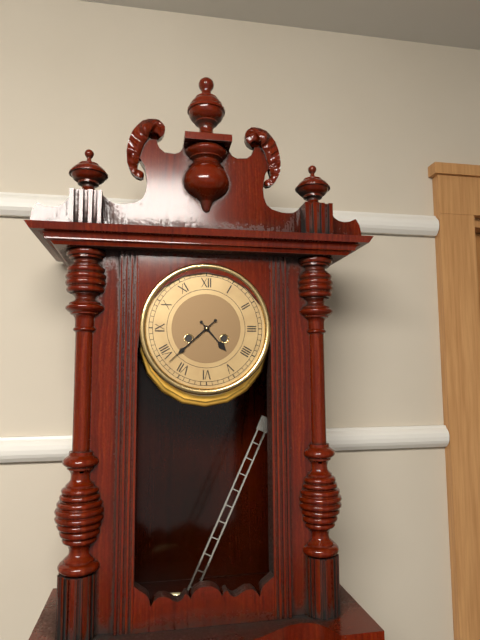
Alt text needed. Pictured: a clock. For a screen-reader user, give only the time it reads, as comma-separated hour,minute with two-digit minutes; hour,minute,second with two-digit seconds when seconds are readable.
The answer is 4,38
